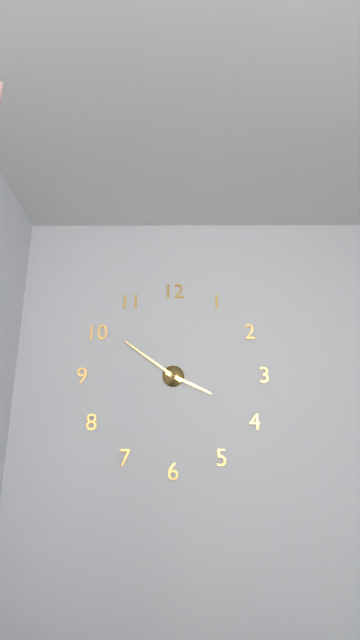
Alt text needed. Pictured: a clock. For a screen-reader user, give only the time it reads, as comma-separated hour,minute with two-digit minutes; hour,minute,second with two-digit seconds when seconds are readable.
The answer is 3,51
